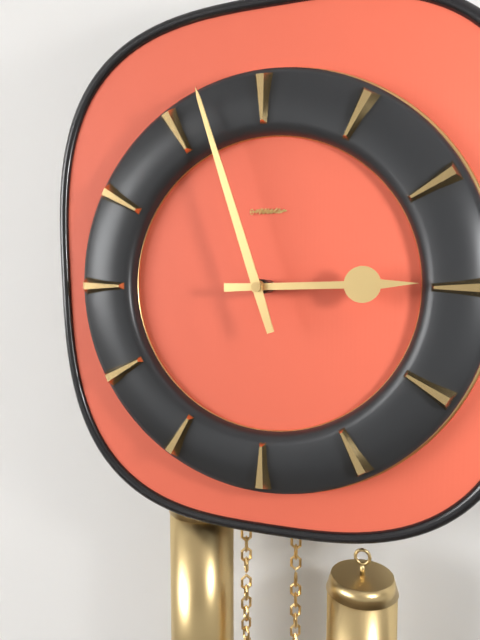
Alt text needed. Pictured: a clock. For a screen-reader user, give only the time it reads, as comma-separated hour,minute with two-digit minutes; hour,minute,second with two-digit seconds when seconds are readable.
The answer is 2,57
